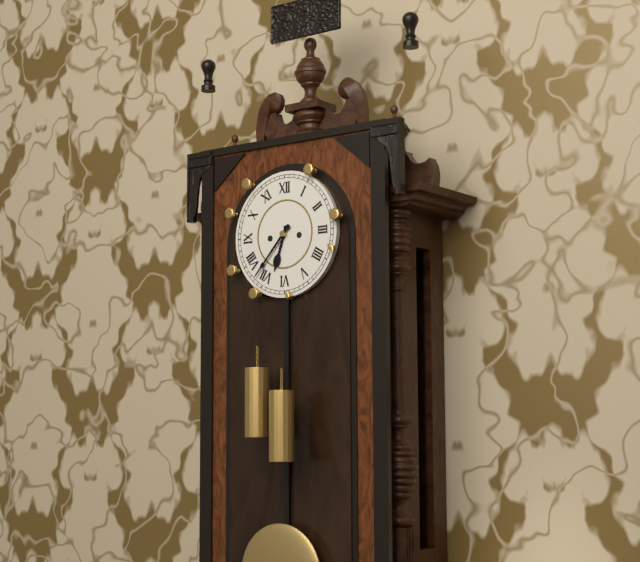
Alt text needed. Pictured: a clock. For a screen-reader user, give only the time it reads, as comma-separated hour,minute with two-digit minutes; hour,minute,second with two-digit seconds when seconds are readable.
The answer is 6,37
